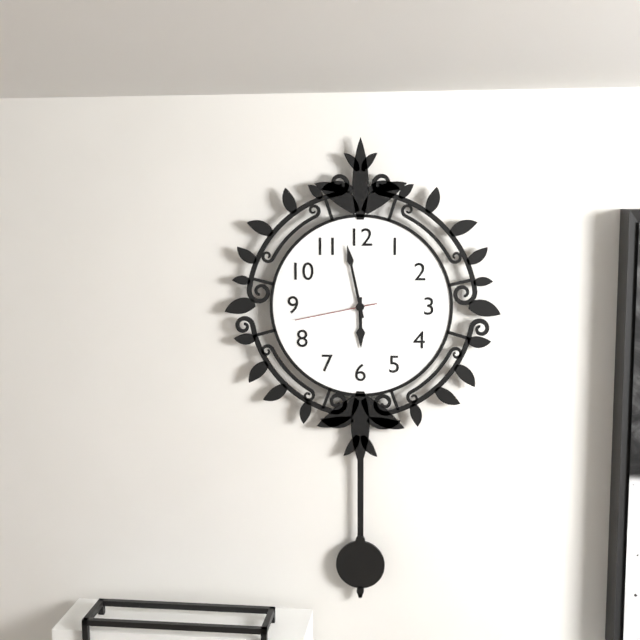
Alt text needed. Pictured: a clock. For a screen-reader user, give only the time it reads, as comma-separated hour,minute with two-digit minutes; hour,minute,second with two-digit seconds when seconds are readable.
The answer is 5,58,43
